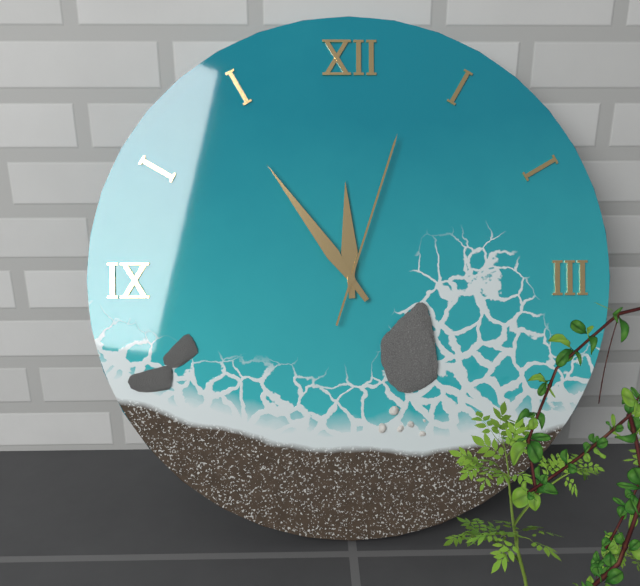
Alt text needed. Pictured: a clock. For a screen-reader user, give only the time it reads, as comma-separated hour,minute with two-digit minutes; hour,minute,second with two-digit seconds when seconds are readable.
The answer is 11,54,03
